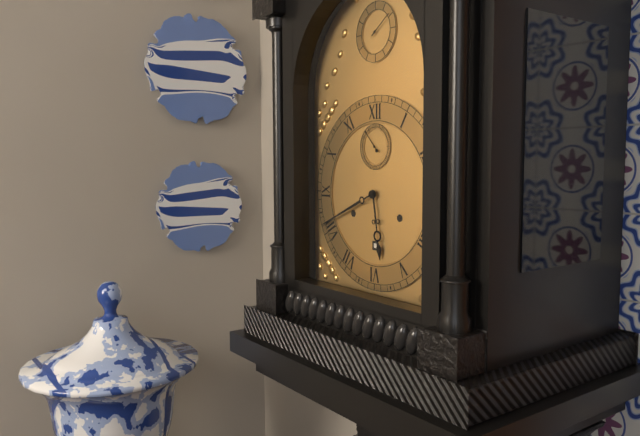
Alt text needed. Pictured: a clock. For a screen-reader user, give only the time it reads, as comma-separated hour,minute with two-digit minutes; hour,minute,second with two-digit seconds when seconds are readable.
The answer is 5,41
